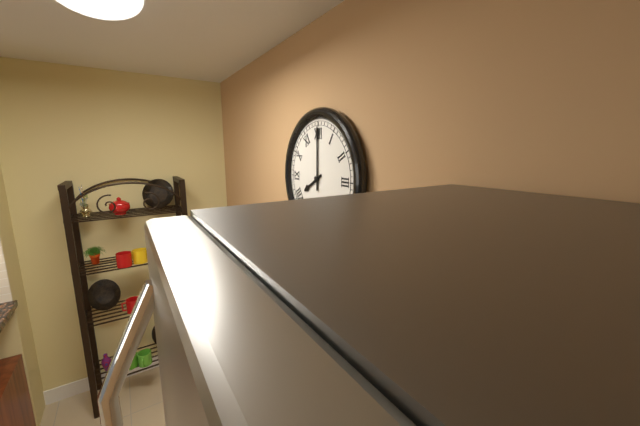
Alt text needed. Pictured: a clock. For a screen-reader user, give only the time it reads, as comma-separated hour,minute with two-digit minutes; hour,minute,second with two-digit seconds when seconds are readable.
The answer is 8,00
